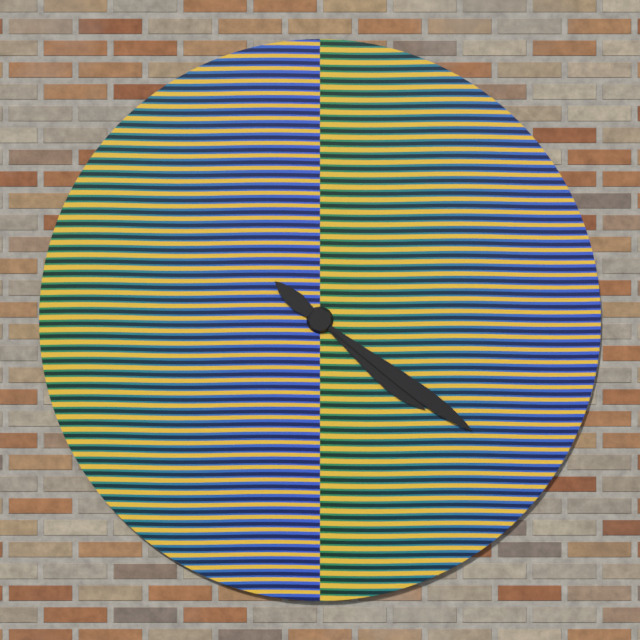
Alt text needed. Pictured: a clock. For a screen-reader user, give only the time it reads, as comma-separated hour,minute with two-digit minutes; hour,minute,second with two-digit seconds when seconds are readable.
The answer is 4,21
